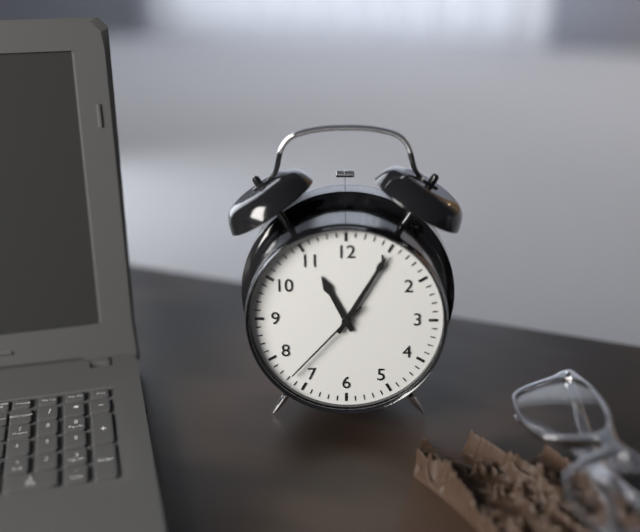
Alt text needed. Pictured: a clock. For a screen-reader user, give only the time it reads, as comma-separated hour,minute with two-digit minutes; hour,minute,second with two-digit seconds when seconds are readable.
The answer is 11,05,37
